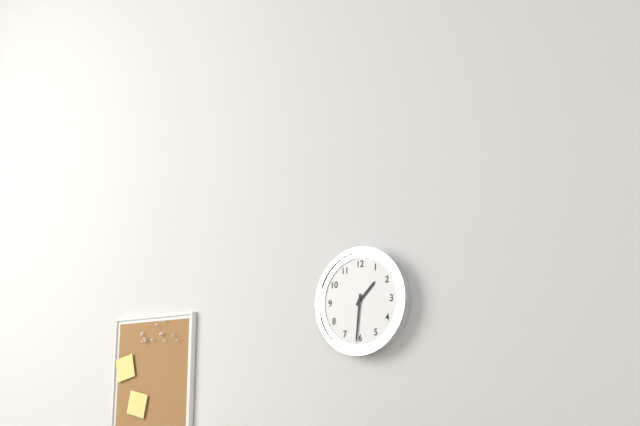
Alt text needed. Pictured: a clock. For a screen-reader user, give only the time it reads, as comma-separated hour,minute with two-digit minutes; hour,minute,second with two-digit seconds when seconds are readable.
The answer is 1,31
